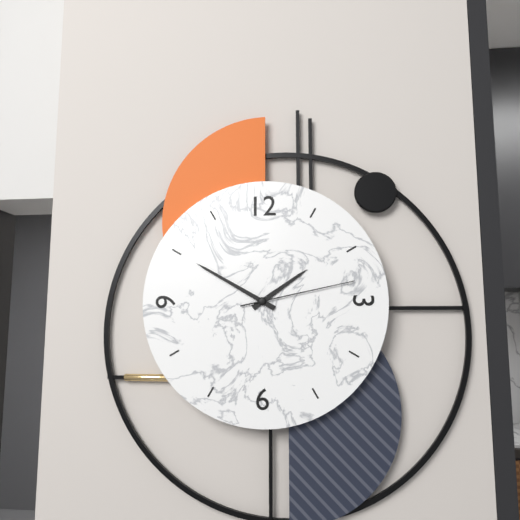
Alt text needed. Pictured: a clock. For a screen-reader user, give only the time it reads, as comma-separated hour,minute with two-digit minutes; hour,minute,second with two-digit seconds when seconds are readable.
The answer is 1,50,13
